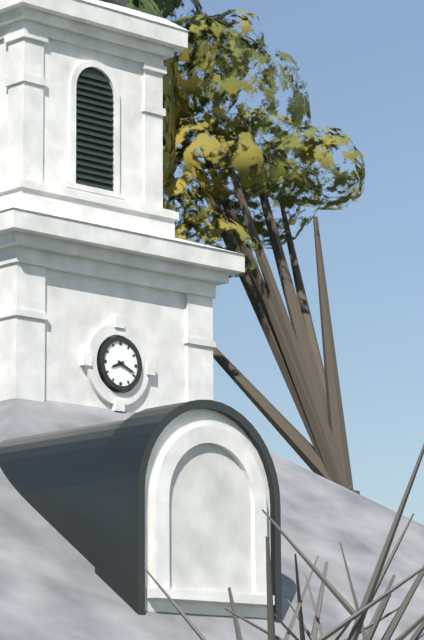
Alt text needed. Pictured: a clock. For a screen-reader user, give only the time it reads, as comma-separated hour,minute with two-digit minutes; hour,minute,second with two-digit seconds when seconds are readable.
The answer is 8,19
